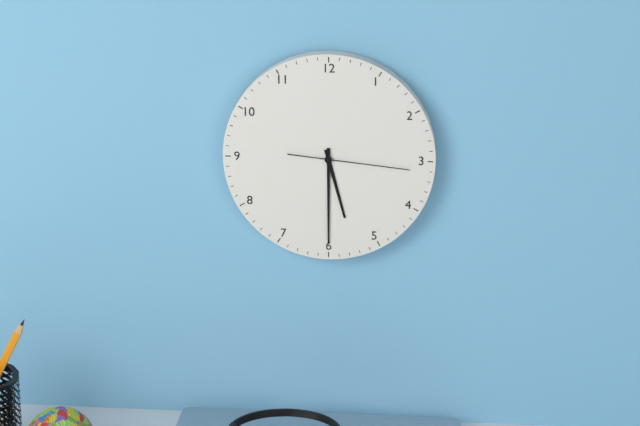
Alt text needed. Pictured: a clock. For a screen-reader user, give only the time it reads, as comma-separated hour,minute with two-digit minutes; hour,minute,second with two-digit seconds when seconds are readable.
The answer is 5,30,16
